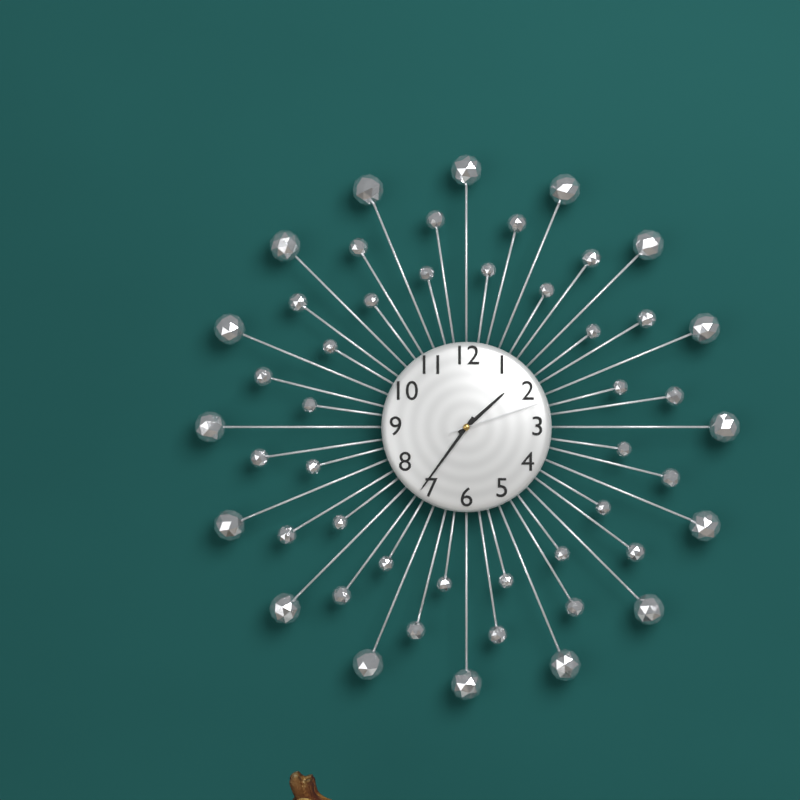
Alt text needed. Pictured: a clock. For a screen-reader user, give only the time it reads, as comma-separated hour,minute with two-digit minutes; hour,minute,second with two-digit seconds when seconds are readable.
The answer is 1,36,12
